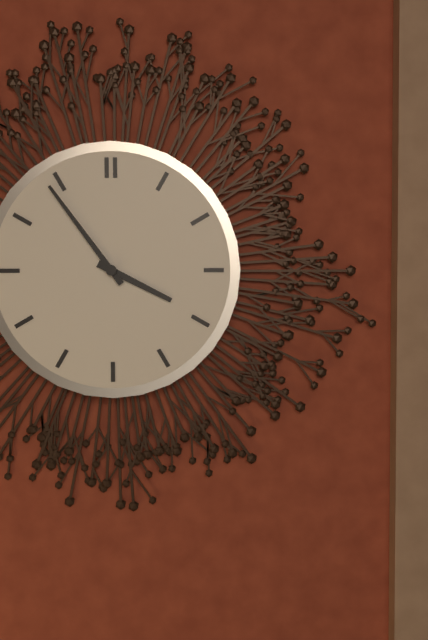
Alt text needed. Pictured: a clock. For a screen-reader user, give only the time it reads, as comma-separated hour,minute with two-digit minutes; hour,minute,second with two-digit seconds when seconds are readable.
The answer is 3,54
